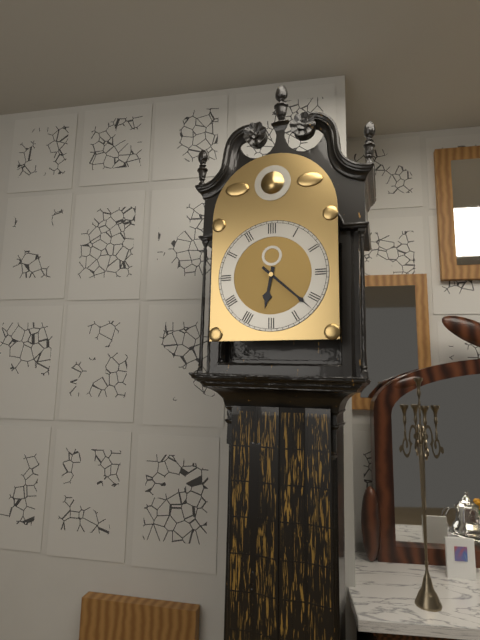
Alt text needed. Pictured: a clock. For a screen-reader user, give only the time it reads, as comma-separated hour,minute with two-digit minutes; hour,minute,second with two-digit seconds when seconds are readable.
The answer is 6,22
